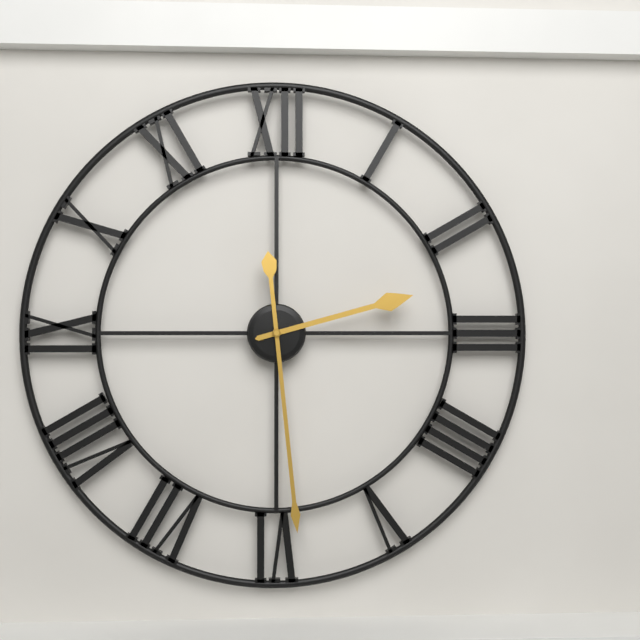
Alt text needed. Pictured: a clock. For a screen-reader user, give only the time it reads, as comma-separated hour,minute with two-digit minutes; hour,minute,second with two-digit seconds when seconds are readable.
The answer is 2,29
